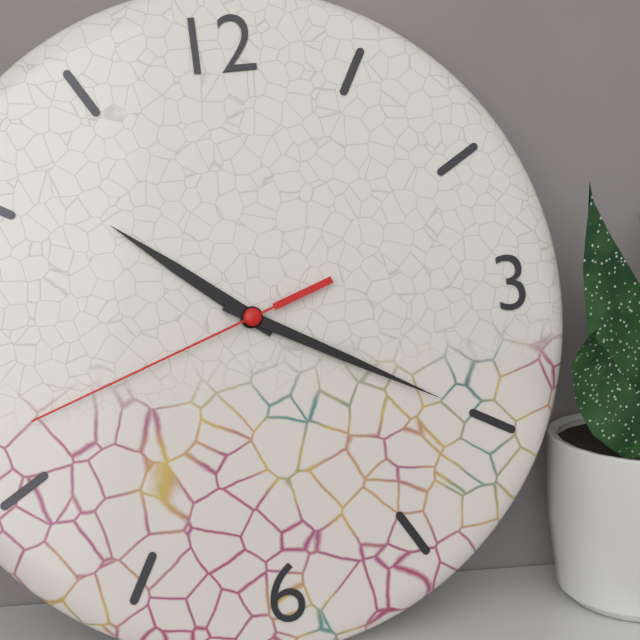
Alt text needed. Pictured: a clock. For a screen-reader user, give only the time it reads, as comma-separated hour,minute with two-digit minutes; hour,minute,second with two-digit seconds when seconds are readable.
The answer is 10,20,42
